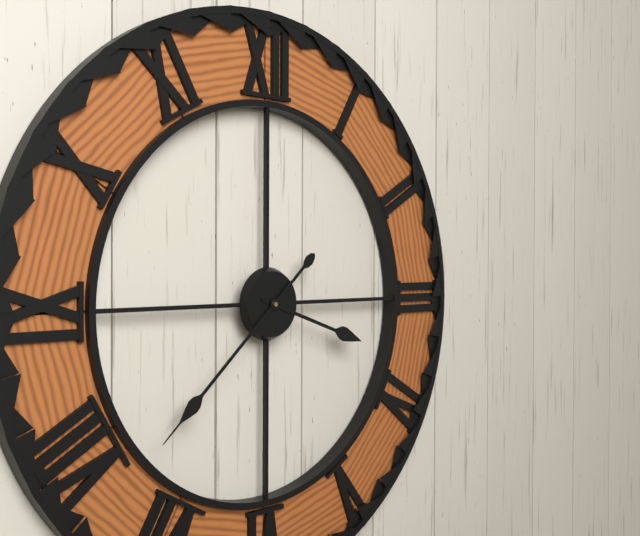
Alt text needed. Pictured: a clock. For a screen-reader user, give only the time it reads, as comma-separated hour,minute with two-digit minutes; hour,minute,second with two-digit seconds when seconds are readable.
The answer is 3,38
